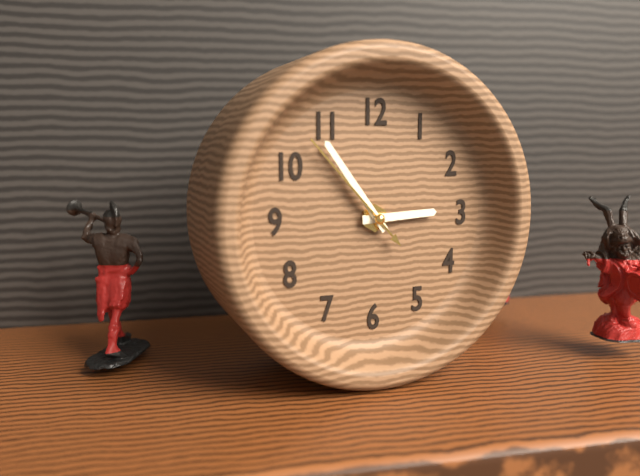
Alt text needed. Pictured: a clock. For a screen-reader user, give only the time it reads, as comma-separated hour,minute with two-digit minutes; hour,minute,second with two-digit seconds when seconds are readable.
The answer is 2,54,53
